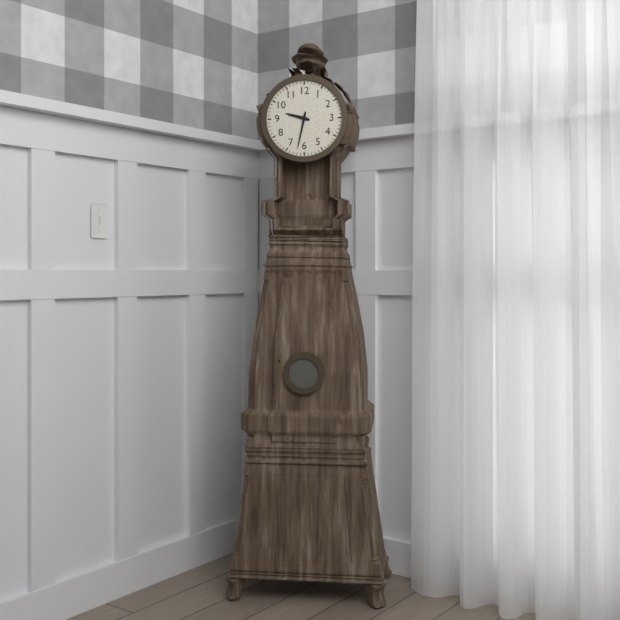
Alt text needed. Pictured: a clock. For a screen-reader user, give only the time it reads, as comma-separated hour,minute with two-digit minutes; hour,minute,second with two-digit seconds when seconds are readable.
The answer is 9,32
